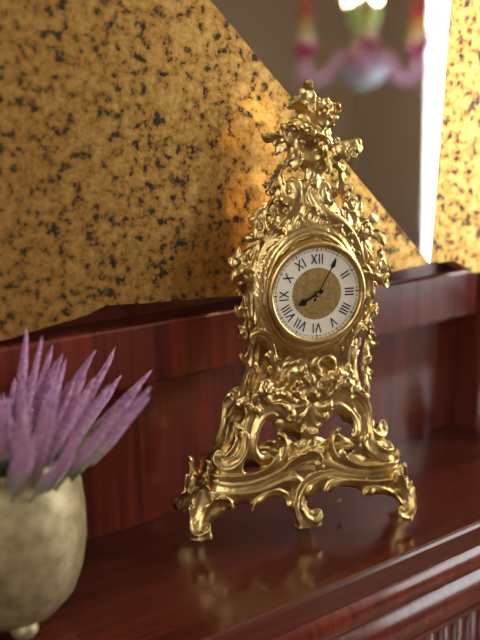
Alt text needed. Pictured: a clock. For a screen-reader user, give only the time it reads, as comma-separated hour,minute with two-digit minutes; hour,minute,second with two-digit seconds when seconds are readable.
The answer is 8,05
